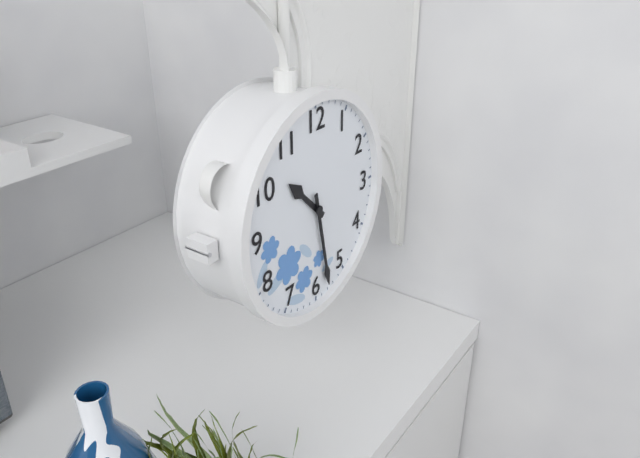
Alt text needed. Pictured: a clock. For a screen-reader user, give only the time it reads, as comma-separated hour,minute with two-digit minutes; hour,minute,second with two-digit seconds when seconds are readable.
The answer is 10,28
